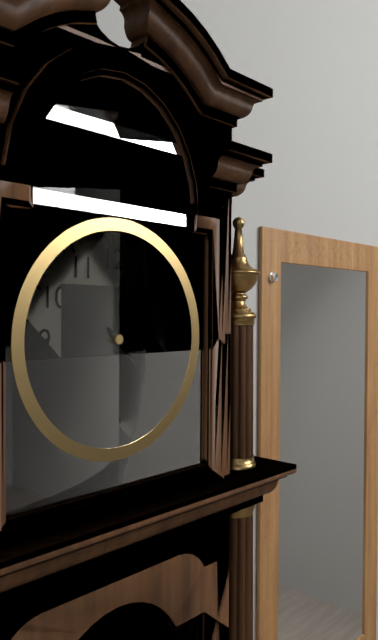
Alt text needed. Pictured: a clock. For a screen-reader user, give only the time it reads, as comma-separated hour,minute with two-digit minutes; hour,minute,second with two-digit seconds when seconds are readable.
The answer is 12,23
